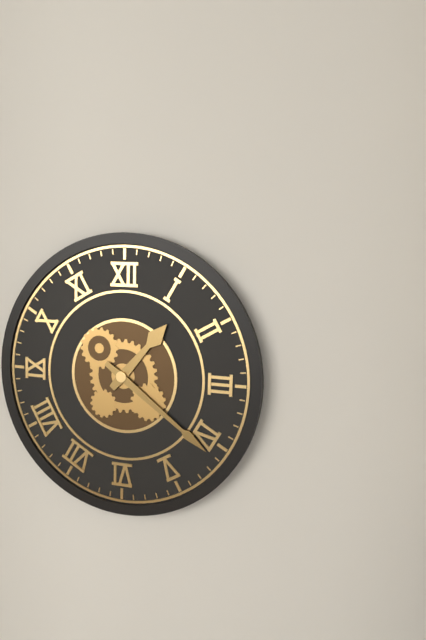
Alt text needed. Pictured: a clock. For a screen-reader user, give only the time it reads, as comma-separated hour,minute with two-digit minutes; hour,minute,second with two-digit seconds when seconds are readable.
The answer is 1,21
